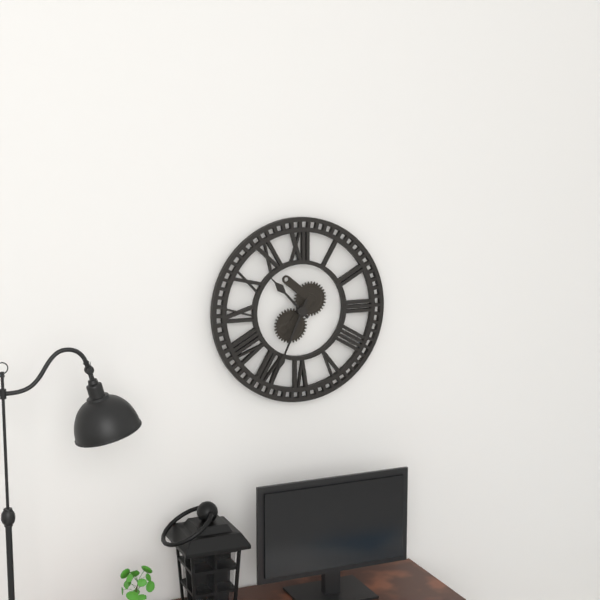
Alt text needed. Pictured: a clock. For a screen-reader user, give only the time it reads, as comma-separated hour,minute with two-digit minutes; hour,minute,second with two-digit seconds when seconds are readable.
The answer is 10,34
